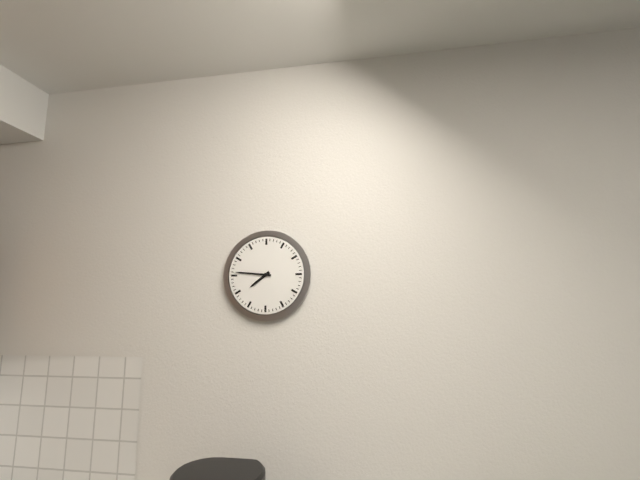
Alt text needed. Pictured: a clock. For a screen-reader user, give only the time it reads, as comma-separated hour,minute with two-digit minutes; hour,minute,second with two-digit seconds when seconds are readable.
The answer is 7,46
